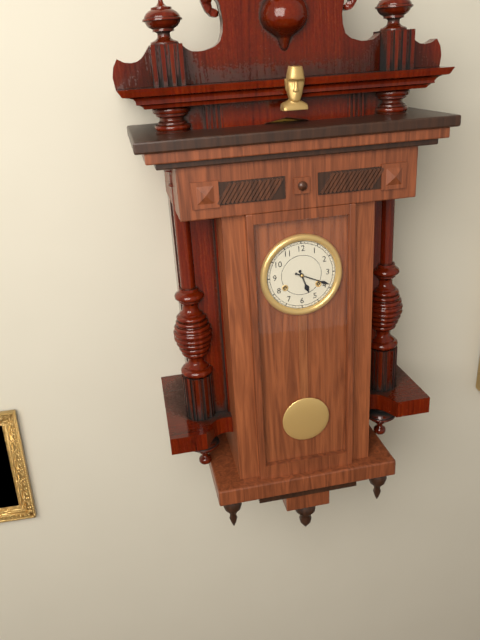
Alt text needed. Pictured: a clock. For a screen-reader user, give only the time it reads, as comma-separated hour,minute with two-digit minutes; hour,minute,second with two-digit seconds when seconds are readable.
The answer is 5,19
